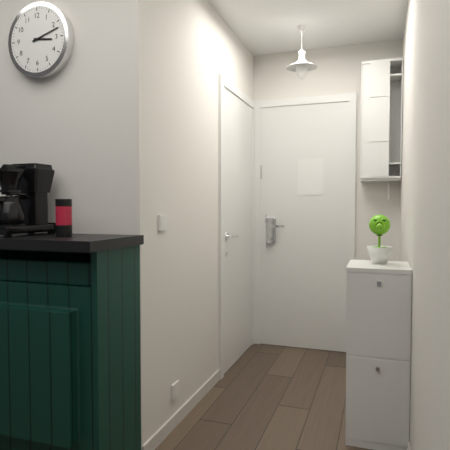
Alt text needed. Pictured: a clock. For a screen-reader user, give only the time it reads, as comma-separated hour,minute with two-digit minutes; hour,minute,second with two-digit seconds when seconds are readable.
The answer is 3,12
